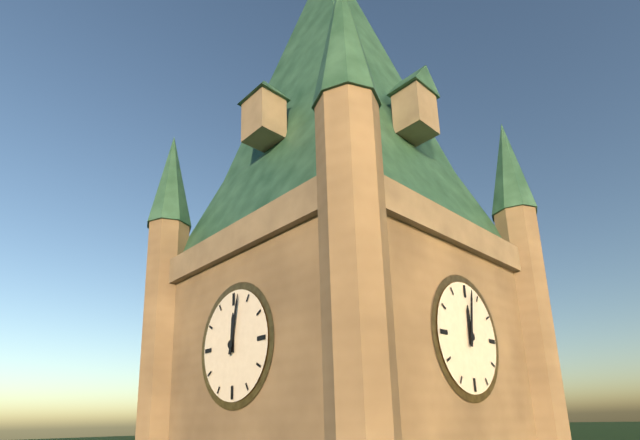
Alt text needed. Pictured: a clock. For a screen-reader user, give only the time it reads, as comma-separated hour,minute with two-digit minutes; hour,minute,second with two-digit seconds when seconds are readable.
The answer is 12,02
